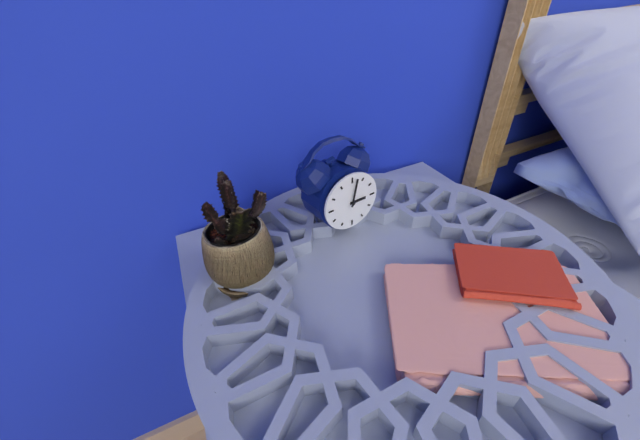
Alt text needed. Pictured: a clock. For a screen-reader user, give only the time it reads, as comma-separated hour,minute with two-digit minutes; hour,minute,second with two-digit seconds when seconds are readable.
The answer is 3,02
